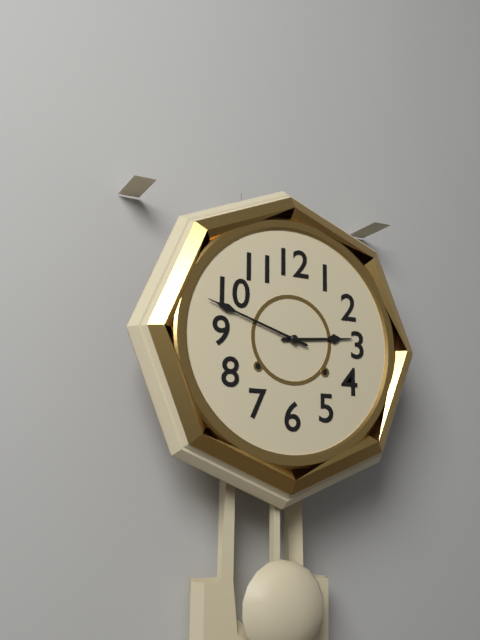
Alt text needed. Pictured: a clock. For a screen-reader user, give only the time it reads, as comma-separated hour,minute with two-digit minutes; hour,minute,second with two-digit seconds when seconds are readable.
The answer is 2,48
